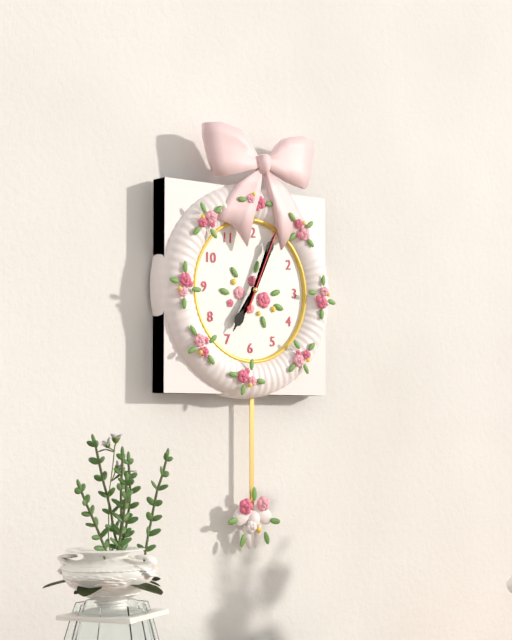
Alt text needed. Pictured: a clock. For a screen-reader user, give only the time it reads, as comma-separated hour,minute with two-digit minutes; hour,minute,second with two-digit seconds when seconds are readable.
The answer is 7,04,04
